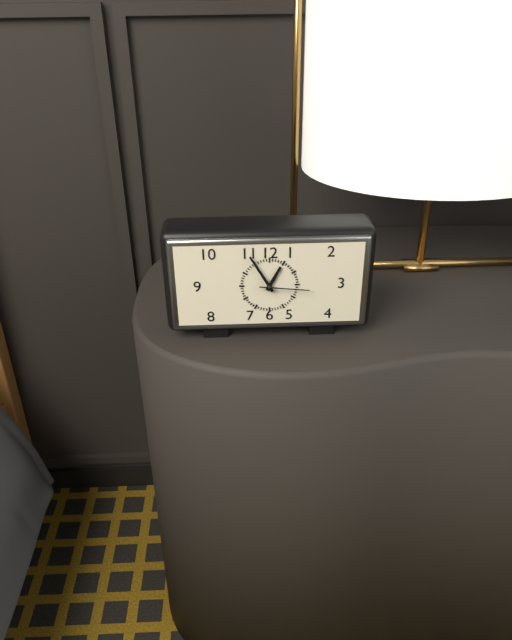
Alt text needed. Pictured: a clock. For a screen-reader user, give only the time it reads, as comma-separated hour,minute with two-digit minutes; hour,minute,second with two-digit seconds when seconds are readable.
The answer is 12,55
